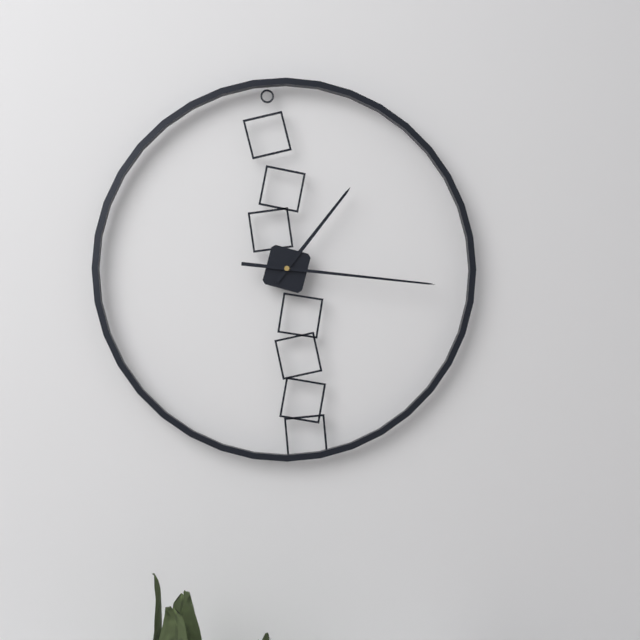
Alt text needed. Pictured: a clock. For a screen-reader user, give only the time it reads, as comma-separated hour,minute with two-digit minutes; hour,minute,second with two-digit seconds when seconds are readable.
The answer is 1,16
